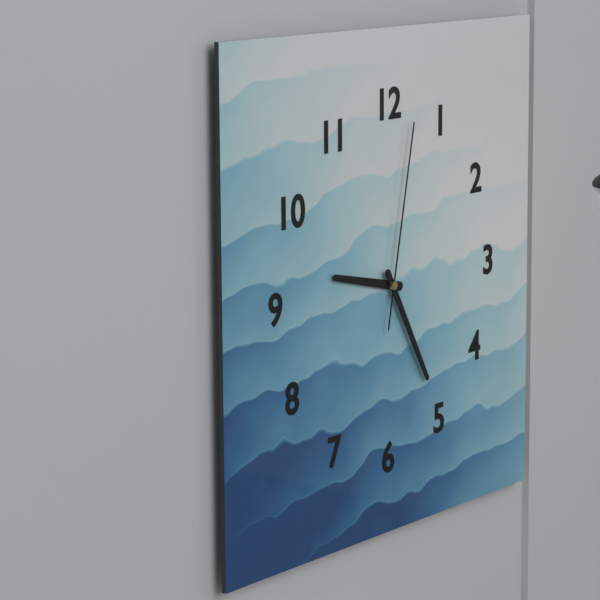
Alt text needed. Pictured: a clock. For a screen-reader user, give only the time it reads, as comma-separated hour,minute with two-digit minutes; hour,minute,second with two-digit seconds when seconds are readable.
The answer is 9,25,02
